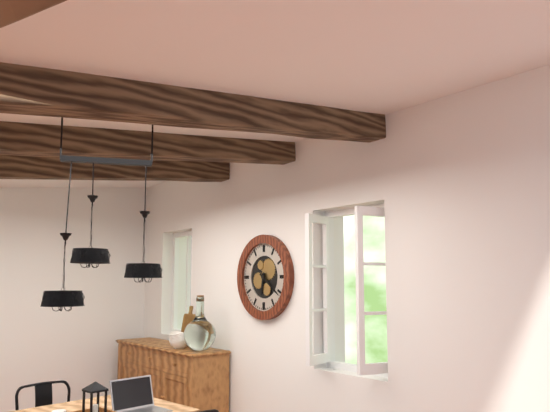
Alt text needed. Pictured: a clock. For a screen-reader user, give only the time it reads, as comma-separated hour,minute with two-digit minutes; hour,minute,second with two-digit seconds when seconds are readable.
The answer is 6,21
